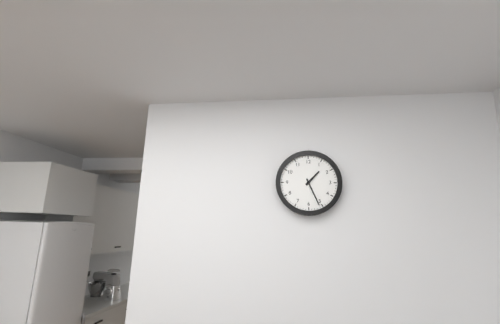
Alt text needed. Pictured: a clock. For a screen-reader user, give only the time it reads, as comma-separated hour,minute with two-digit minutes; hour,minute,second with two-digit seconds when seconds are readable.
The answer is 1,26
